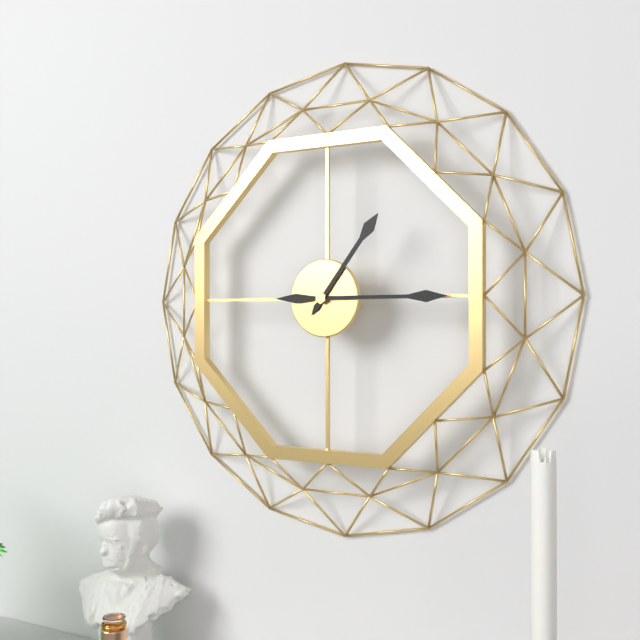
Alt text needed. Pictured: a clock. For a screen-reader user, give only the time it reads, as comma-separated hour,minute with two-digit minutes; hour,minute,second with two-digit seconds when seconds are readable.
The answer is 1,15
